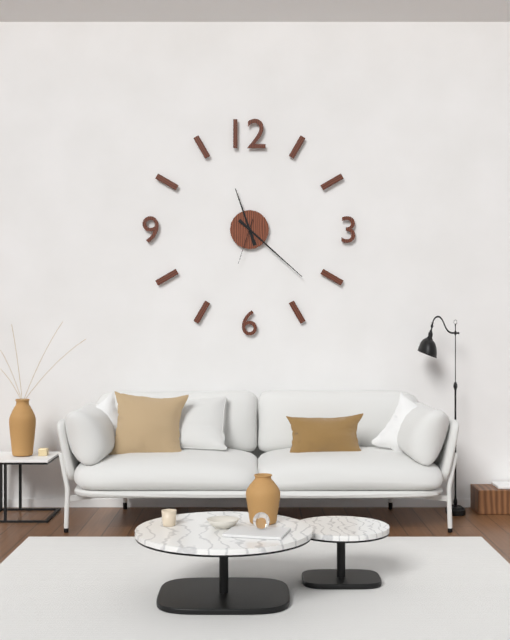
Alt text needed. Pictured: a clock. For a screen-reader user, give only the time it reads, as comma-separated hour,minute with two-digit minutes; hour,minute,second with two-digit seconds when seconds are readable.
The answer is 11,22
